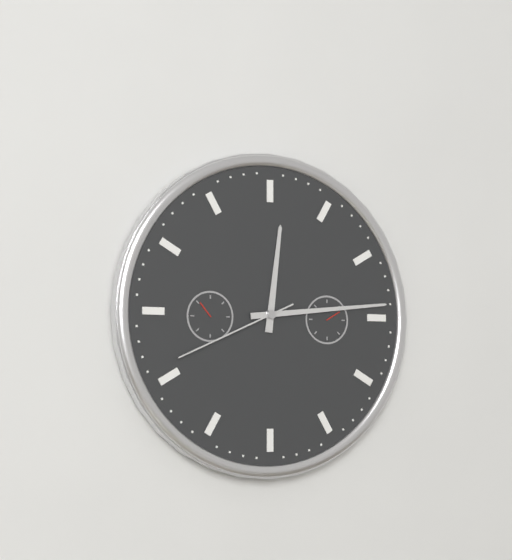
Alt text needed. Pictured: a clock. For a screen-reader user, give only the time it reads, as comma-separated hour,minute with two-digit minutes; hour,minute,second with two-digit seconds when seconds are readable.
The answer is 12,14,41
